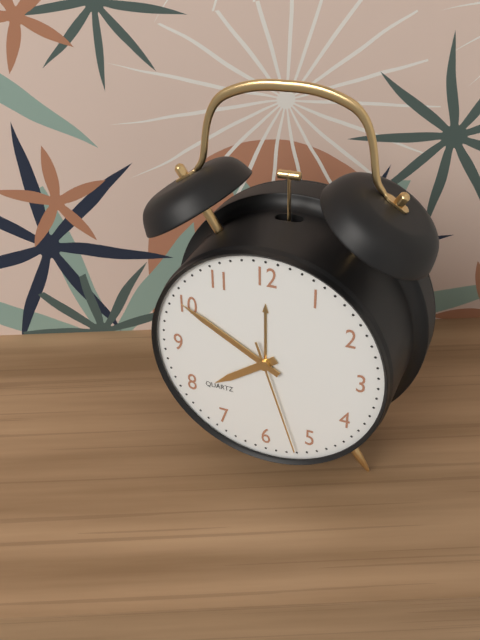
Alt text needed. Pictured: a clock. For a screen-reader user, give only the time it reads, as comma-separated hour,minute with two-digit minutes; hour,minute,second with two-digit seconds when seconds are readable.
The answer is 7,50,27
